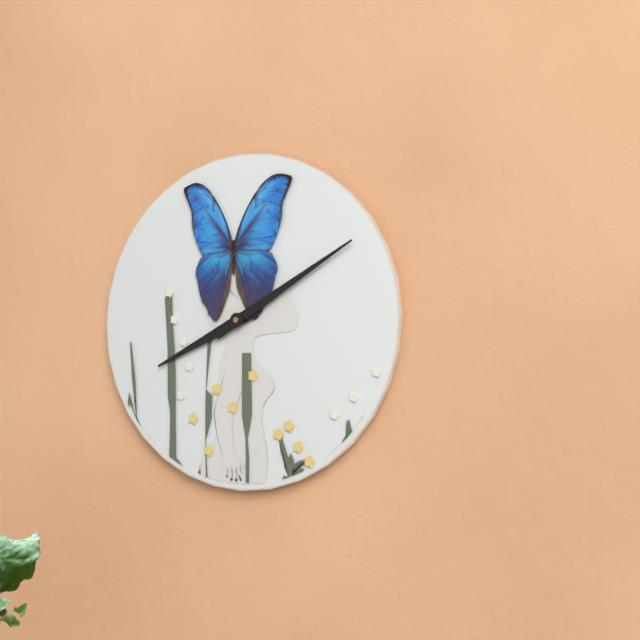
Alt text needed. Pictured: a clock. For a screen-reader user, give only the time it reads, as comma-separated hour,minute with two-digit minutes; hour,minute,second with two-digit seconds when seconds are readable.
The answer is 8,10
